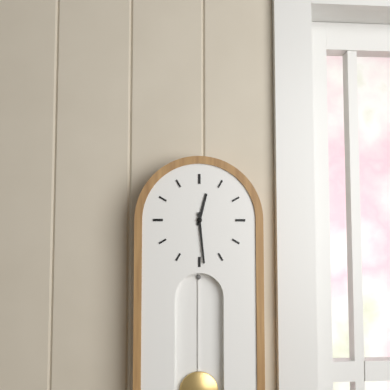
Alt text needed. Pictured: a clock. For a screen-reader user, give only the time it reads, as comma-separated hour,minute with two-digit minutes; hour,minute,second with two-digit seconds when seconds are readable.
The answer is 12,29
